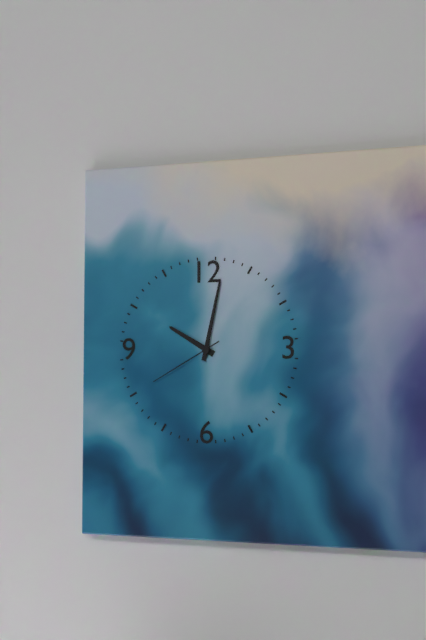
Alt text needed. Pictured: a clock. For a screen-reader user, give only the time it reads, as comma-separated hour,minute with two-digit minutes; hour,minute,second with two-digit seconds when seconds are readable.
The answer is 10,02,40
